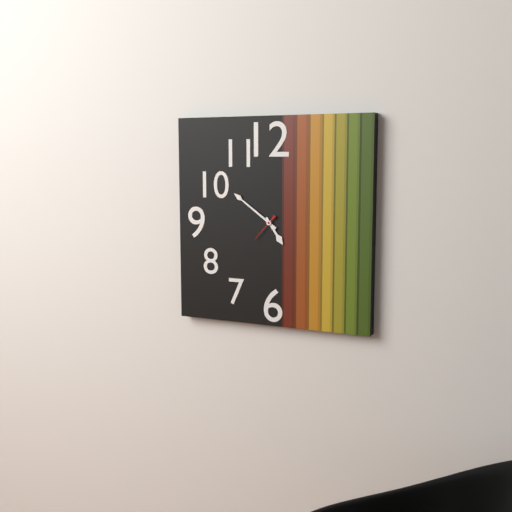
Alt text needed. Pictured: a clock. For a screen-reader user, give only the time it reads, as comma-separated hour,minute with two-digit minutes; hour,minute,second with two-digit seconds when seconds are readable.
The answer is 4,51
